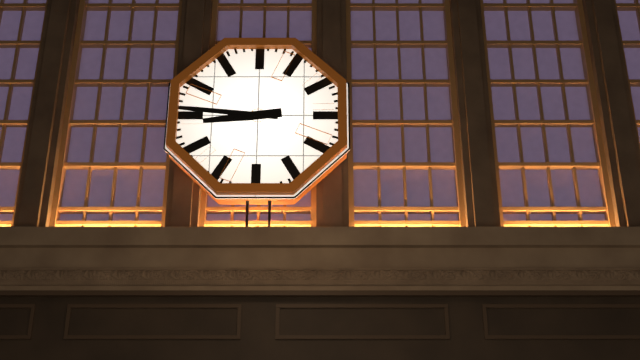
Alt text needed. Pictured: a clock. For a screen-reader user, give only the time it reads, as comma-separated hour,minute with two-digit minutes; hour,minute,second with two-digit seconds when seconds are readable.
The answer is 8,46
